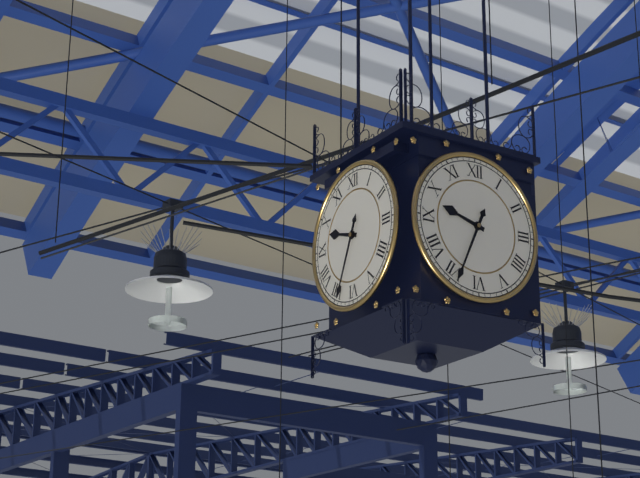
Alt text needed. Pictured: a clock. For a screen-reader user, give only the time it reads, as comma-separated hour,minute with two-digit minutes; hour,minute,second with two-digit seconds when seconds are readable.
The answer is 9,34
